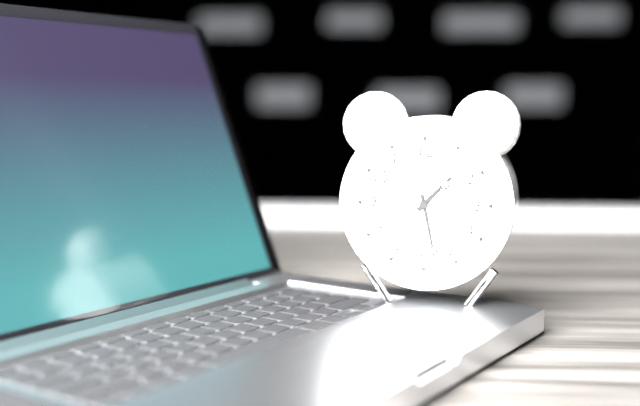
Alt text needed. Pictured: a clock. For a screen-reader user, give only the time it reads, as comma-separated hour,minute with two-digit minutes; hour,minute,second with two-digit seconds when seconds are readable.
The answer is 1,28,47
